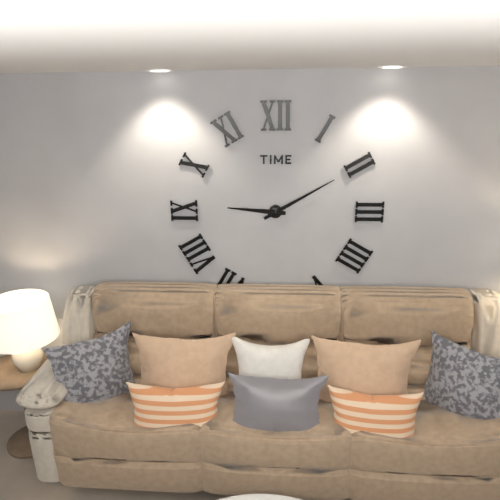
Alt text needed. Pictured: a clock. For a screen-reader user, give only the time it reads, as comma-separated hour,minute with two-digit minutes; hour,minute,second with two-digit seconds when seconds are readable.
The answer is 9,10
